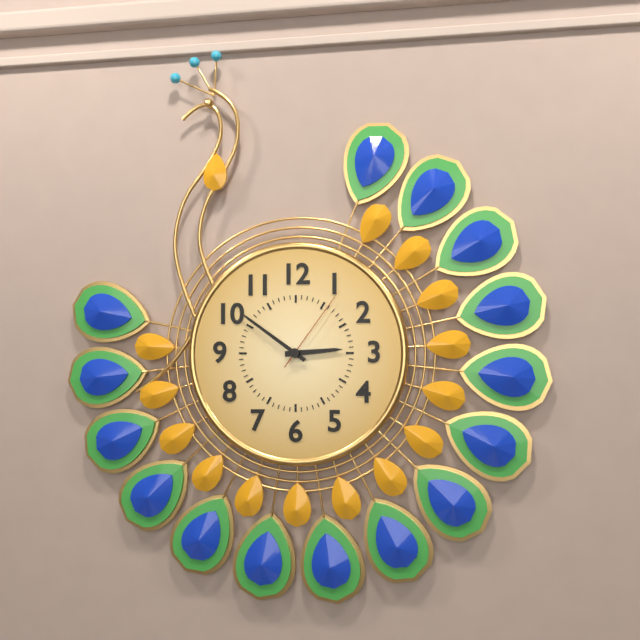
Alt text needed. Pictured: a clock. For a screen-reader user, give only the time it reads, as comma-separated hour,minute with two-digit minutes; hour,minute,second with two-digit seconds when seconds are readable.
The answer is 2,51,06
